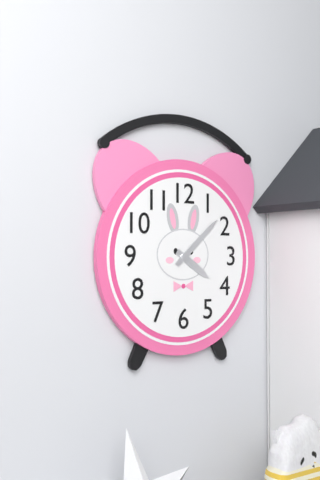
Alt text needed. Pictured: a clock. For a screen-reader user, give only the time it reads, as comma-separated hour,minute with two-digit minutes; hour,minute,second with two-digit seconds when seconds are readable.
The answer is 4,08
